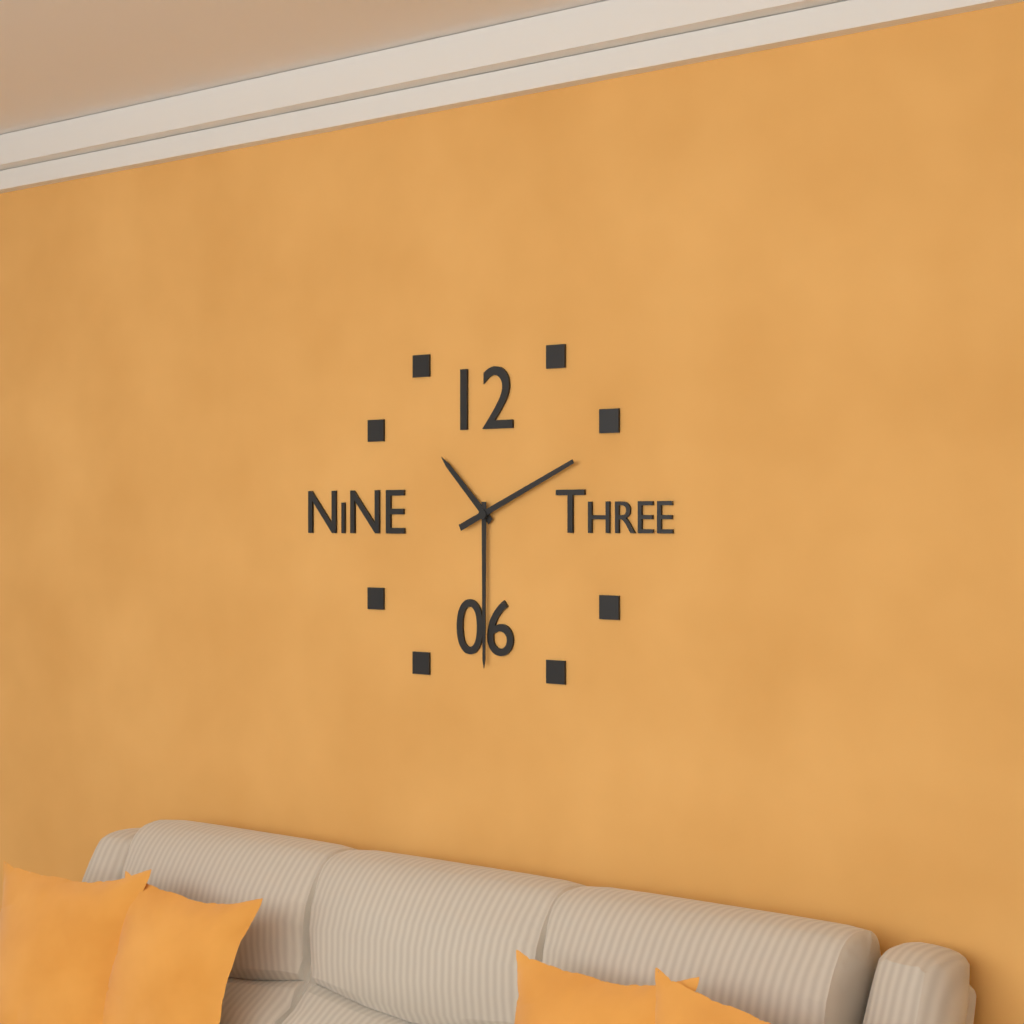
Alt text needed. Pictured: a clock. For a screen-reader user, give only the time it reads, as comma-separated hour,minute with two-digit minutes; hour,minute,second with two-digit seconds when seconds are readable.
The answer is 10,30,11
